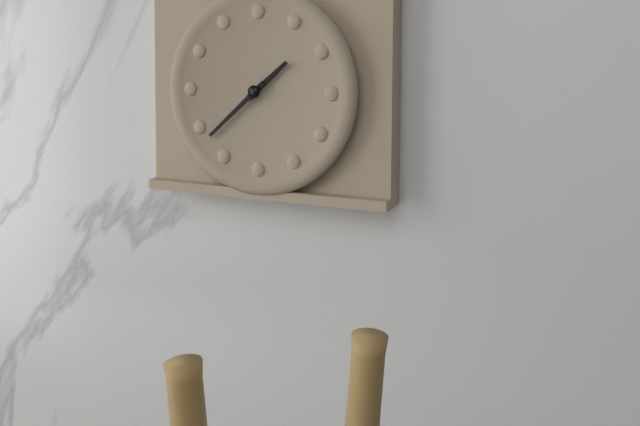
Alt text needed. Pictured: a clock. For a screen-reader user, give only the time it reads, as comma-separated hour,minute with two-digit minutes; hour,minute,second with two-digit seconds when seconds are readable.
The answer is 1,38
